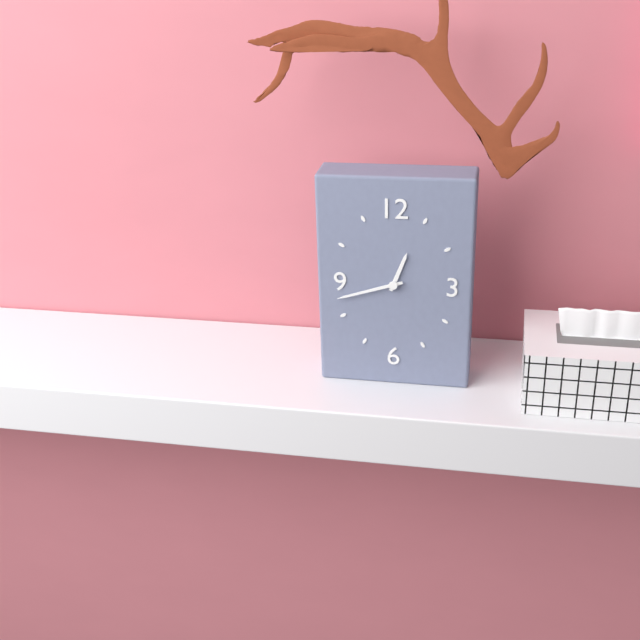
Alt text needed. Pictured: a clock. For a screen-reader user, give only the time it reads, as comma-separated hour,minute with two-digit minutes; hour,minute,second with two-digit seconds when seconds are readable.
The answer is 12,42
